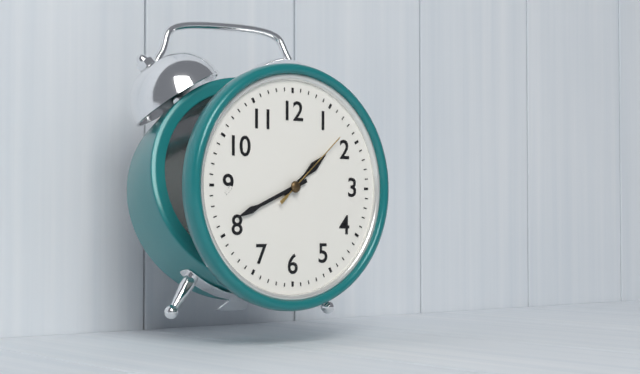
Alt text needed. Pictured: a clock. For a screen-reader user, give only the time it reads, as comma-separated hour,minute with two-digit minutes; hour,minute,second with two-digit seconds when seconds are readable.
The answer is 1,41,08
